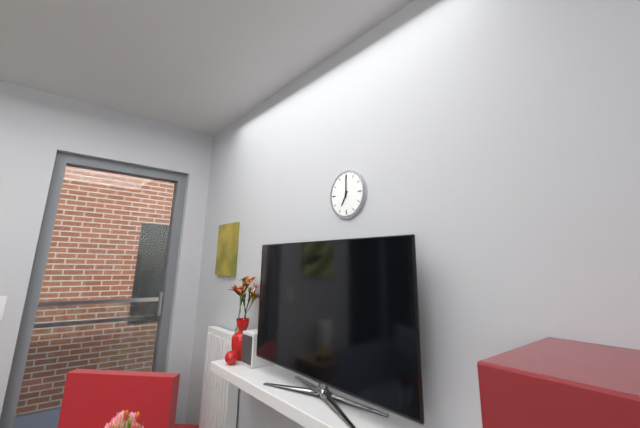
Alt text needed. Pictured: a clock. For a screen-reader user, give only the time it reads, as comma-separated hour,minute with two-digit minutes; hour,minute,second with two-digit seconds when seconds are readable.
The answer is 7,00
